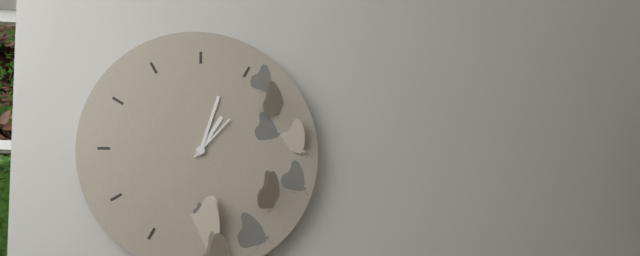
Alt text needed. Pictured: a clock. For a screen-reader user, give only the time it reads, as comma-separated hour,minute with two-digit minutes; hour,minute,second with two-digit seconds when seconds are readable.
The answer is 1,03,07
